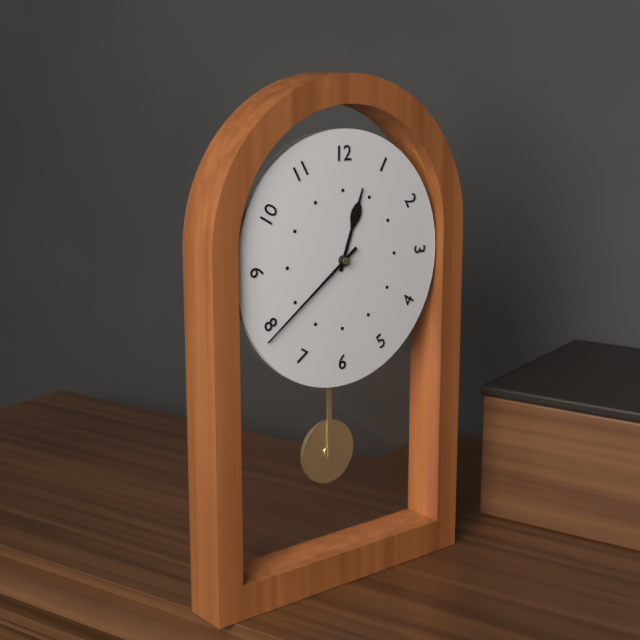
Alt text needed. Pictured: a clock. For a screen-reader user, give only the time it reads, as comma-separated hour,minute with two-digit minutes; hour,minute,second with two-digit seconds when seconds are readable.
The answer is 12,39
